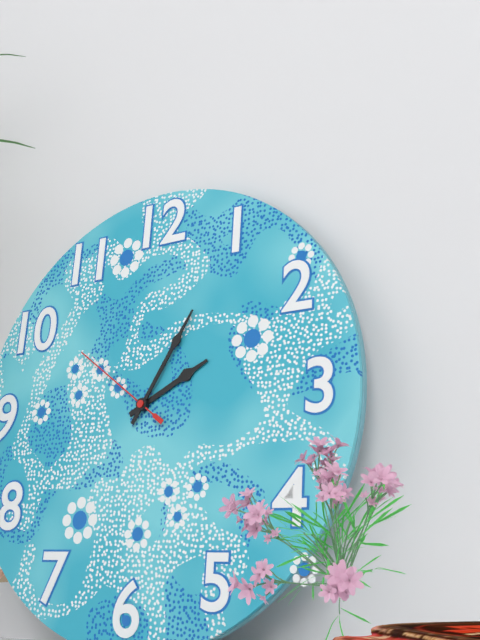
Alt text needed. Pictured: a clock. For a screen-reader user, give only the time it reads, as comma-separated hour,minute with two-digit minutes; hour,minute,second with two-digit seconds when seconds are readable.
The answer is 2,05,51
